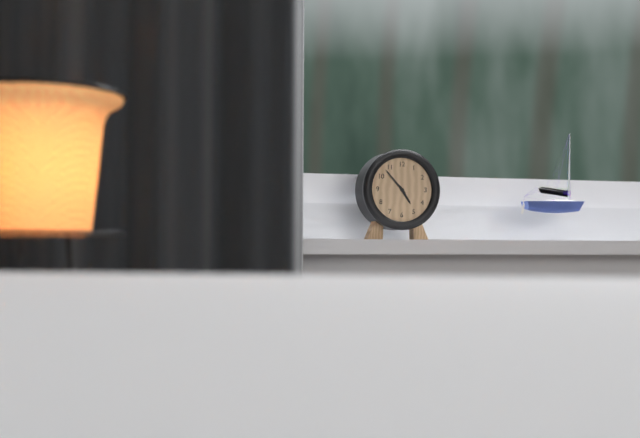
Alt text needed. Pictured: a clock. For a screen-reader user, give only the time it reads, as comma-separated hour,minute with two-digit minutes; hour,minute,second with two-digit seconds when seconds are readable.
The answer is 4,53
